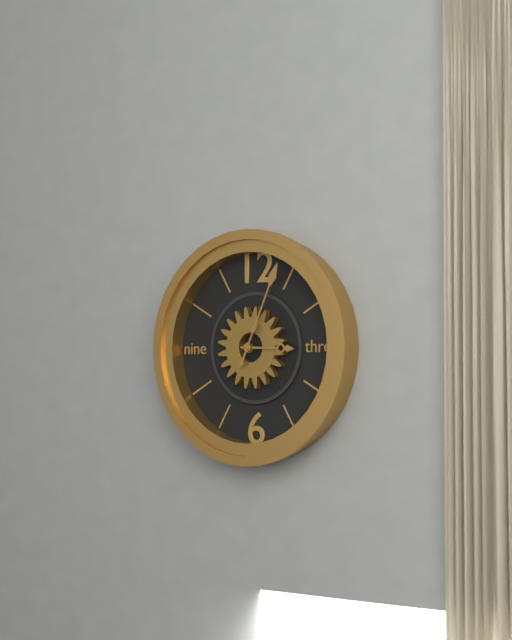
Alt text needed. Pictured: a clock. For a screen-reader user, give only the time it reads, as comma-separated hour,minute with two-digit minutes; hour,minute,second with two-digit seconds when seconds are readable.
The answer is 3,04
